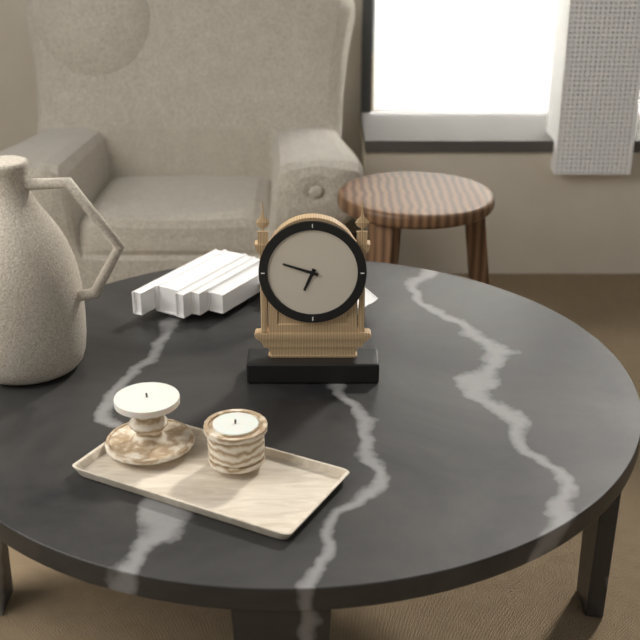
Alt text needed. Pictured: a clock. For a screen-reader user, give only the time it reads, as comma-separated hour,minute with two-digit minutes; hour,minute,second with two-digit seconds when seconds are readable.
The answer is 6,48
